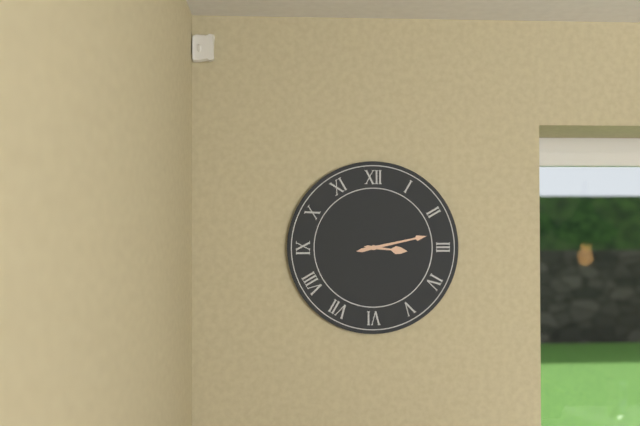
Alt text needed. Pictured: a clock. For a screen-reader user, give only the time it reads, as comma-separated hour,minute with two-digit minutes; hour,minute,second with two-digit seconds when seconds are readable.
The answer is 3,13
